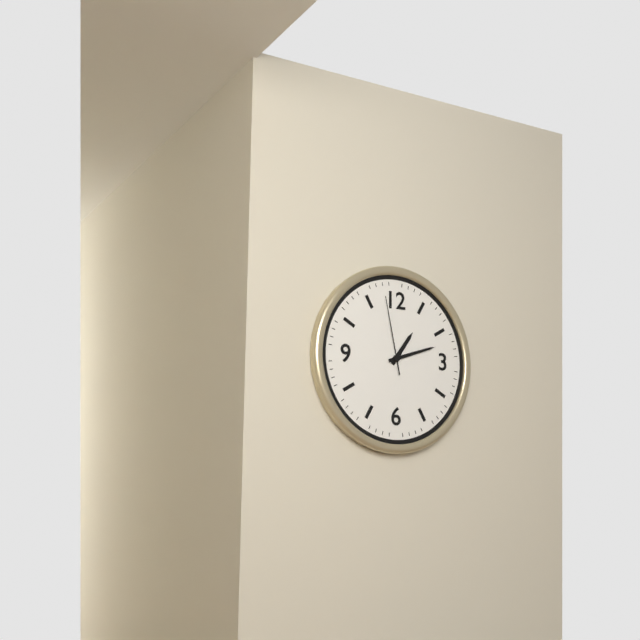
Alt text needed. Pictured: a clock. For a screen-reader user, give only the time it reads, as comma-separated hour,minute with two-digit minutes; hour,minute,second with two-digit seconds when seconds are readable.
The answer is 1,12,58
